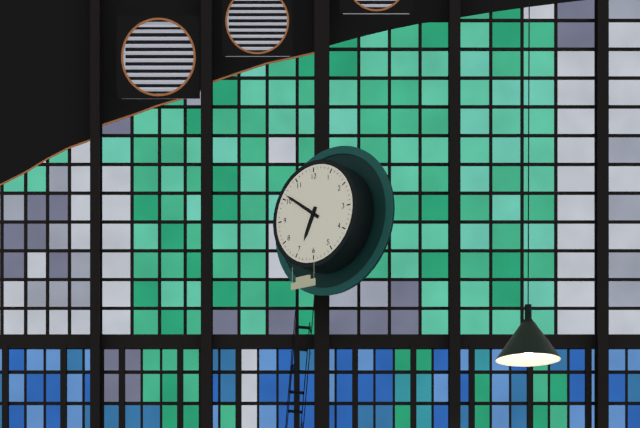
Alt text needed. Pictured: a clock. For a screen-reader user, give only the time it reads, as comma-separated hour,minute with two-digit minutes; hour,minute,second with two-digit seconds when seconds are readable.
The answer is 6,51
